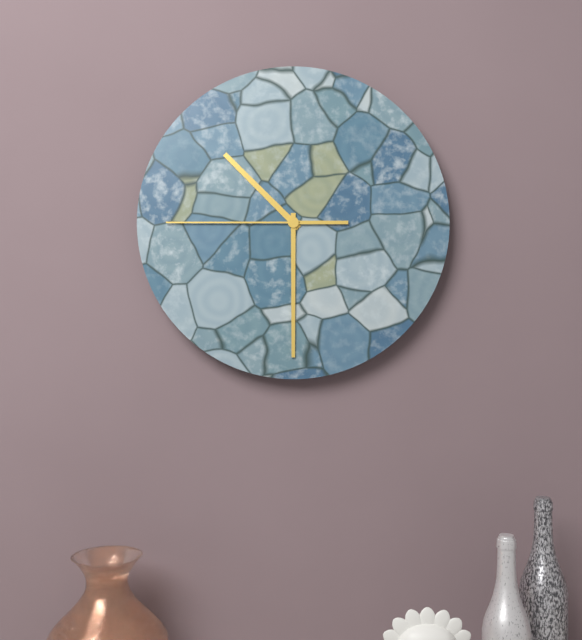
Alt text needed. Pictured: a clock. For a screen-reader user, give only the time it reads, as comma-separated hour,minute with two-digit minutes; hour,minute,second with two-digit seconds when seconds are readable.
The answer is 10,30,45
